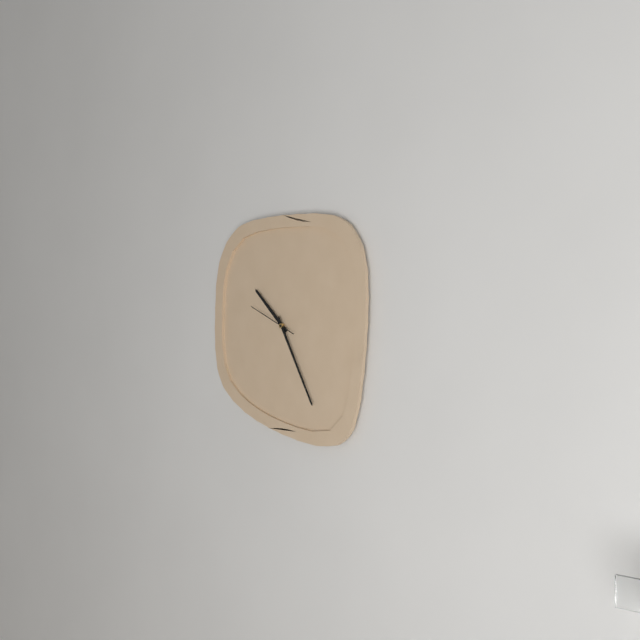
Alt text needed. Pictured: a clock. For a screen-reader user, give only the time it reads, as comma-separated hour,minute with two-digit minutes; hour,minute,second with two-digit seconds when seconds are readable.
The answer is 10,25
